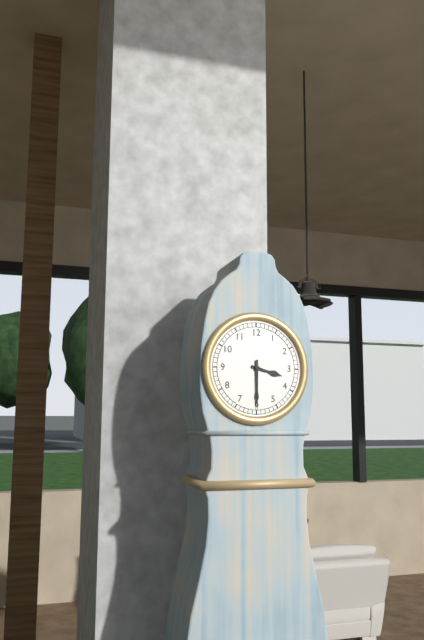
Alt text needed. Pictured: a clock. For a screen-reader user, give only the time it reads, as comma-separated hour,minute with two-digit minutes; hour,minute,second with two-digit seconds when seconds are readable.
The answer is 3,30
